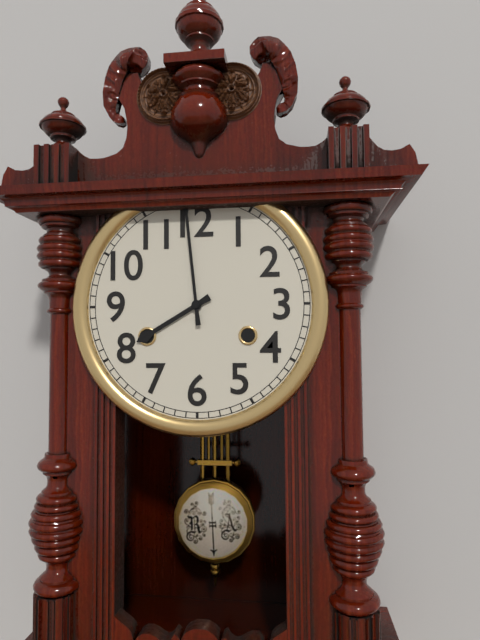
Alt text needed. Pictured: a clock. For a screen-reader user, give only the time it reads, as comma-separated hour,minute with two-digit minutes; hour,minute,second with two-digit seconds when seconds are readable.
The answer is 7,59
